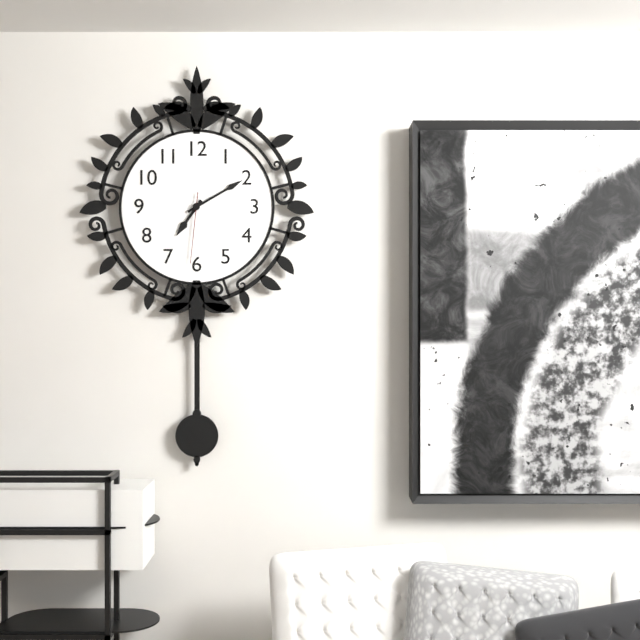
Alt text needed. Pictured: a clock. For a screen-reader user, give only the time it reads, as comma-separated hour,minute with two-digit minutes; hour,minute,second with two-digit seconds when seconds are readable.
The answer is 7,10,31
